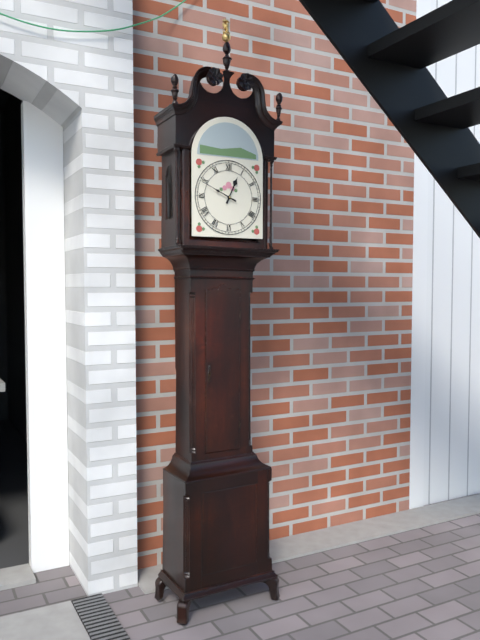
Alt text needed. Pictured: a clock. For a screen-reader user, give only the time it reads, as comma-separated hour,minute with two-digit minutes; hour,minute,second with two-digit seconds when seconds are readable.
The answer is 12,49
